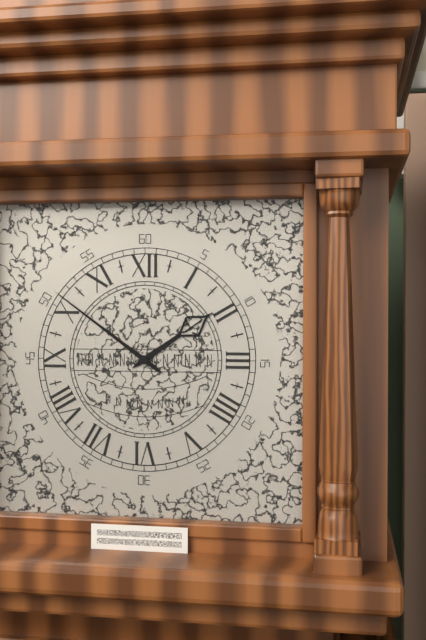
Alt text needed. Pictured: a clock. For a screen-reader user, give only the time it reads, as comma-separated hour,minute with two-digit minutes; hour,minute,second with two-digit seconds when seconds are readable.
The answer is 1,51
